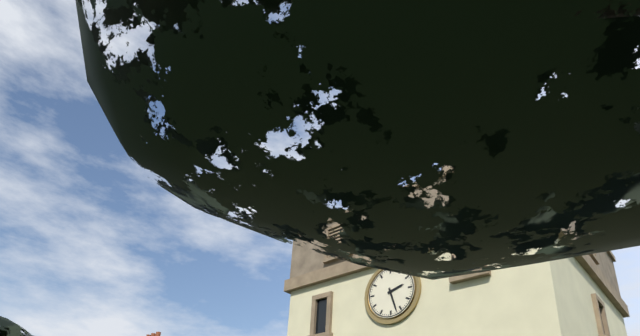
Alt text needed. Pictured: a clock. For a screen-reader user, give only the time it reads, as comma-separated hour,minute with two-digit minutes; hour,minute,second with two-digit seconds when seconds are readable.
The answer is 2,27
